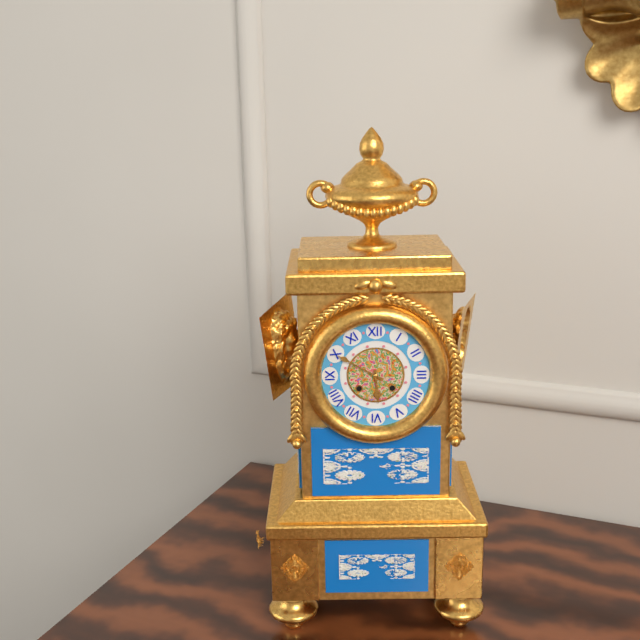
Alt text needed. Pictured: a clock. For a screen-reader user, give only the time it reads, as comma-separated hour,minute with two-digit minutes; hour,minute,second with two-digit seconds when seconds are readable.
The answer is 5,50
